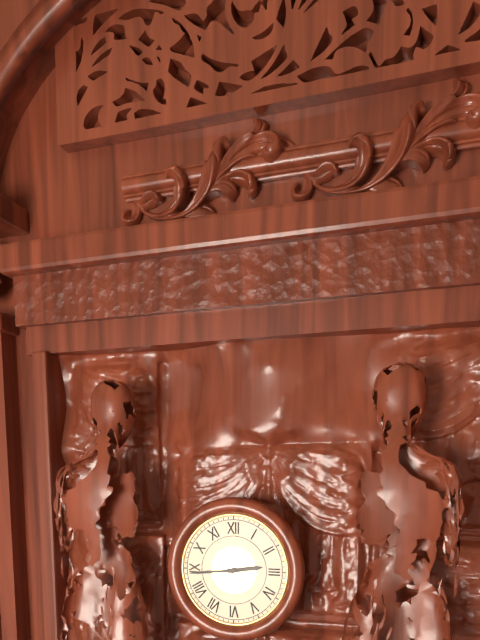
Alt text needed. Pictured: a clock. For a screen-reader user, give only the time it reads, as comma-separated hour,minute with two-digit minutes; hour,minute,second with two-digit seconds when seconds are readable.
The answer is 2,44
